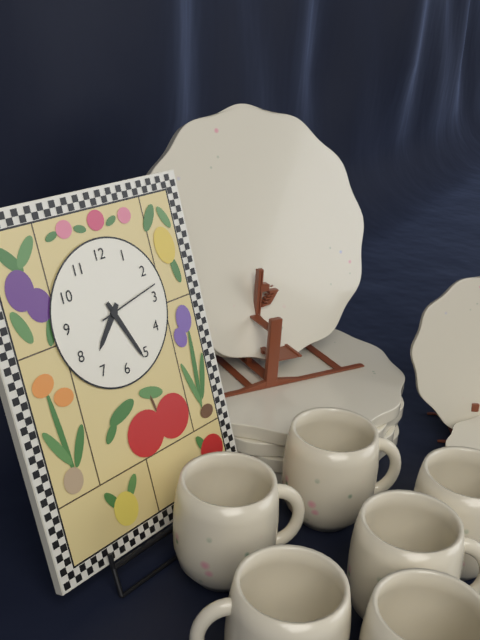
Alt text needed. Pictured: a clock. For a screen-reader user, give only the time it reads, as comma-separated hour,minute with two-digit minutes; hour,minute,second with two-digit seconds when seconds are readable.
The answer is 7,26,13
